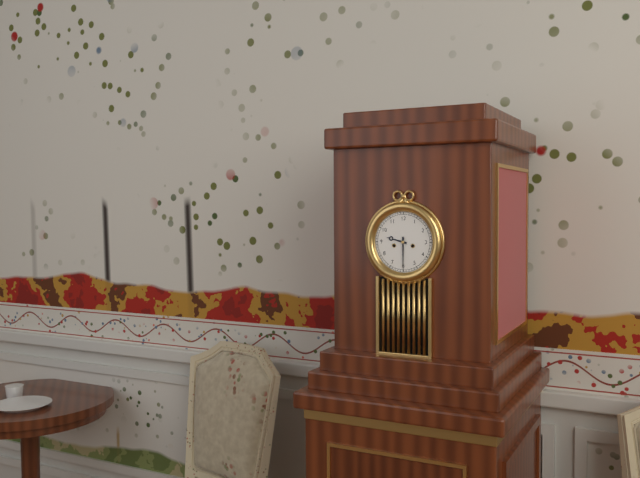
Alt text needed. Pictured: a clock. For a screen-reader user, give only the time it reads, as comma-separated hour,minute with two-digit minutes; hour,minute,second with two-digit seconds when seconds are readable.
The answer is 9,30
